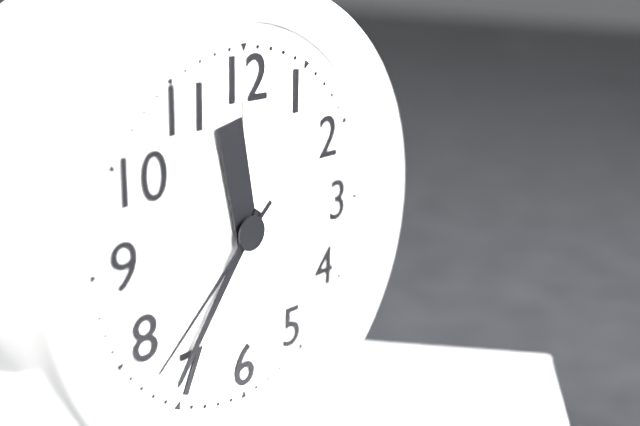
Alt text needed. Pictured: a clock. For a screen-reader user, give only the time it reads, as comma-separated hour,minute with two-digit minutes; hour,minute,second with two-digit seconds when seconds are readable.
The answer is 11,36,38
